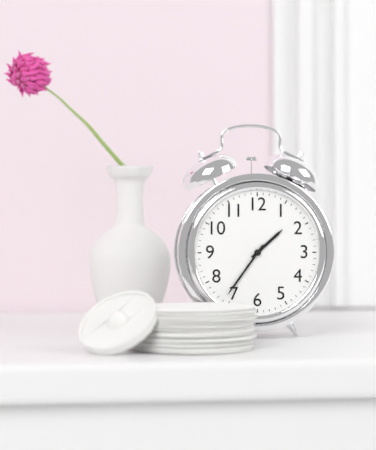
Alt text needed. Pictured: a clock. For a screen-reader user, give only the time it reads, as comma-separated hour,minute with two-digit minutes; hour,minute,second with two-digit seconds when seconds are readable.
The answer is 1,36
